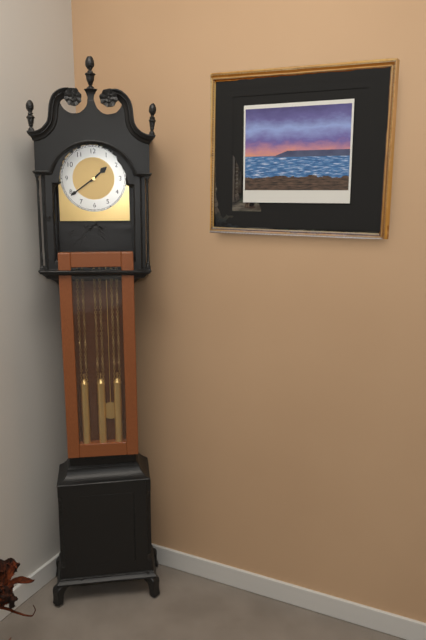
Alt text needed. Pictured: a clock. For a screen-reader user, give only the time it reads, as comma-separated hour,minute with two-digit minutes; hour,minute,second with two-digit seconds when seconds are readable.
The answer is 1,39
